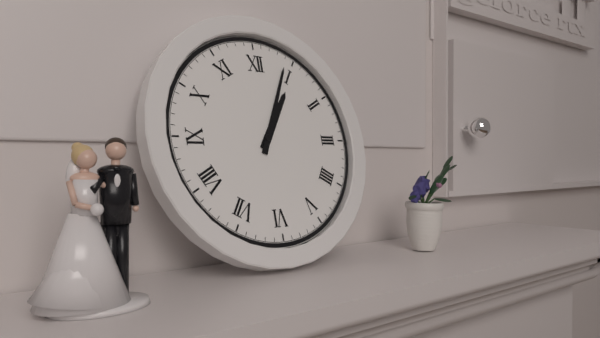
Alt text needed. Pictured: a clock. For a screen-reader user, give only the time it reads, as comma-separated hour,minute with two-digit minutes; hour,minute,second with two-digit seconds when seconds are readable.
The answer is 1,04
